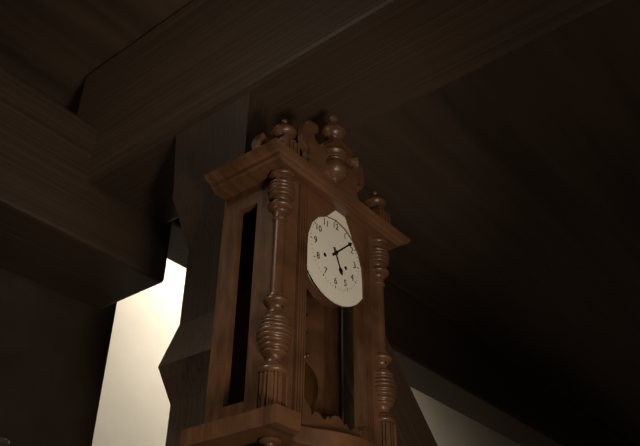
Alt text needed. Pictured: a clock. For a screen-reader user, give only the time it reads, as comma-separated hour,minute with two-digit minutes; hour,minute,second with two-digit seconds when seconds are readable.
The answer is 5,08
